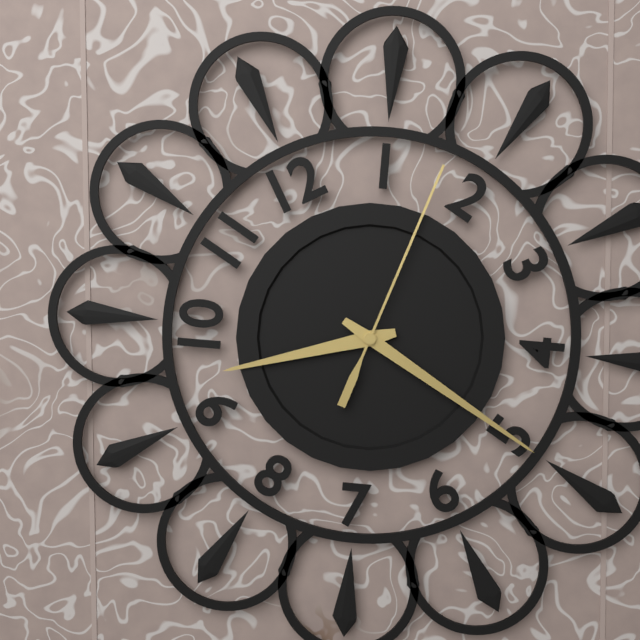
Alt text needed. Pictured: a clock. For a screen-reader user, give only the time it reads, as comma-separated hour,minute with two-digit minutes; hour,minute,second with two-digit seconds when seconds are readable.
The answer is 9,25,08
